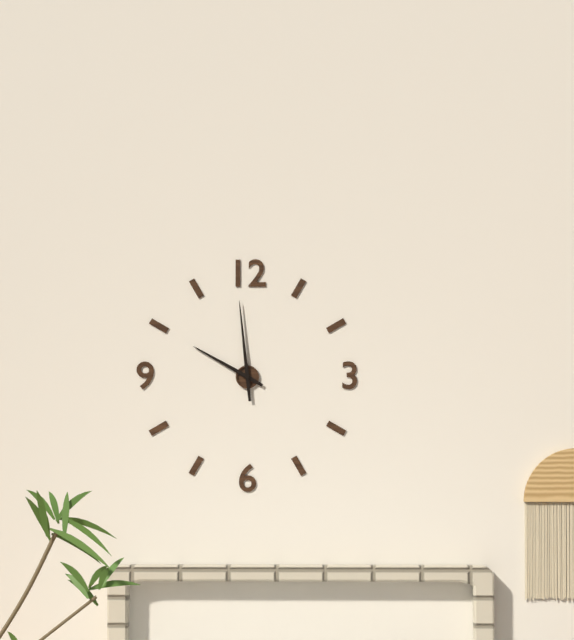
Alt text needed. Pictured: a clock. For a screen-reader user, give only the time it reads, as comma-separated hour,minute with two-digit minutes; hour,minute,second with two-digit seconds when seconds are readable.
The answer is 9,59
